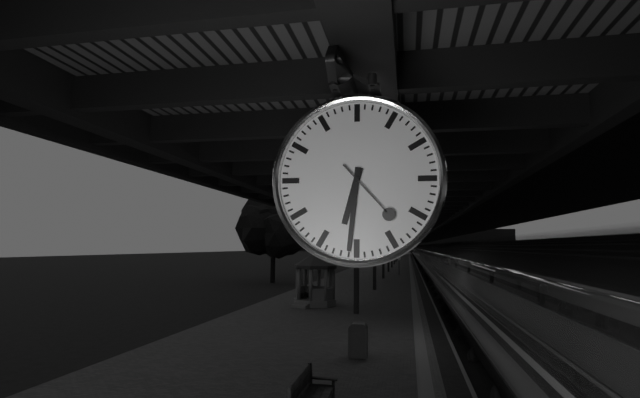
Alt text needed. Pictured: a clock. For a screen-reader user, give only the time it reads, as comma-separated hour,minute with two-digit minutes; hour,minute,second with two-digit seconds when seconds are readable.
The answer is 6,31,23
